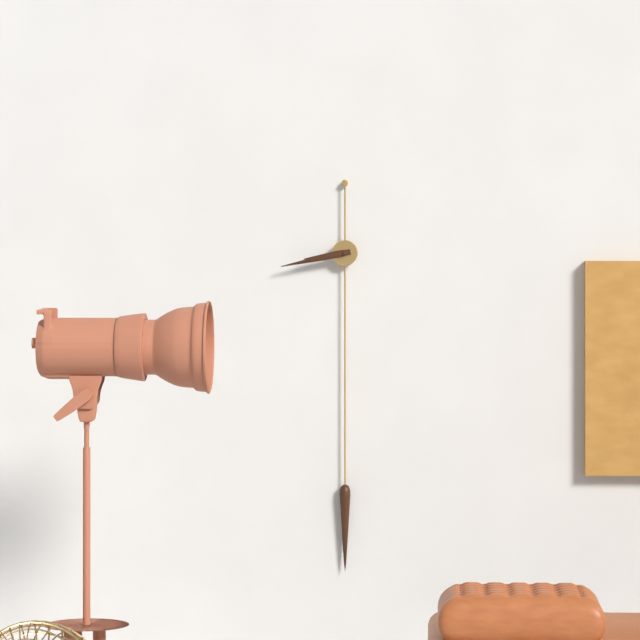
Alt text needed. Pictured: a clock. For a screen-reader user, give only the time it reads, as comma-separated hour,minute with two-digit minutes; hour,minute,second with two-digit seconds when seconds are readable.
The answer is 8,43
